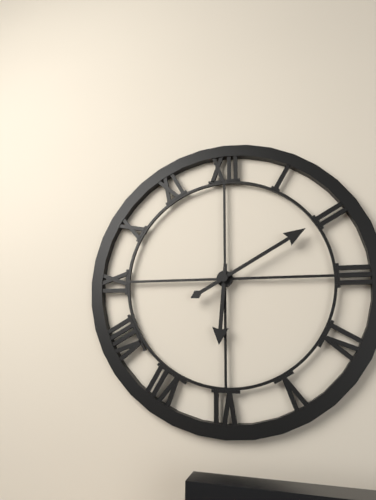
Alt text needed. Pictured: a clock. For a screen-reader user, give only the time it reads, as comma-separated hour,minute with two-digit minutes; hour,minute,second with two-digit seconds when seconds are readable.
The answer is 6,10
